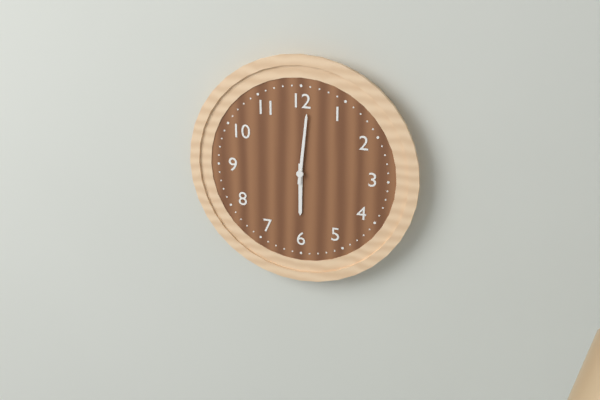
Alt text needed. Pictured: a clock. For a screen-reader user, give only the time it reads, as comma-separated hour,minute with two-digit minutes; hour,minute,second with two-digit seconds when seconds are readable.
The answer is 6,01
